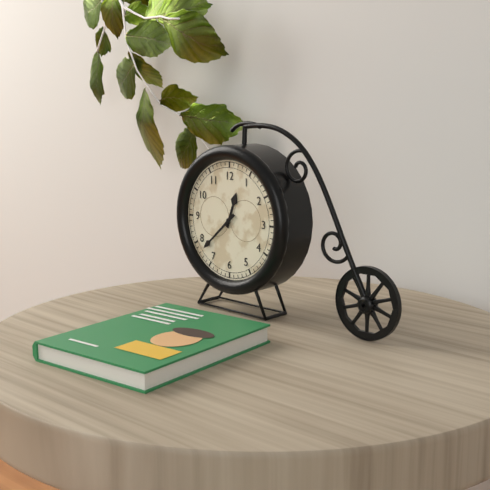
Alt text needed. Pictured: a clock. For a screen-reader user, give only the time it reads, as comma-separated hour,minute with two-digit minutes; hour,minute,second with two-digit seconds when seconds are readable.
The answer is 12,38
